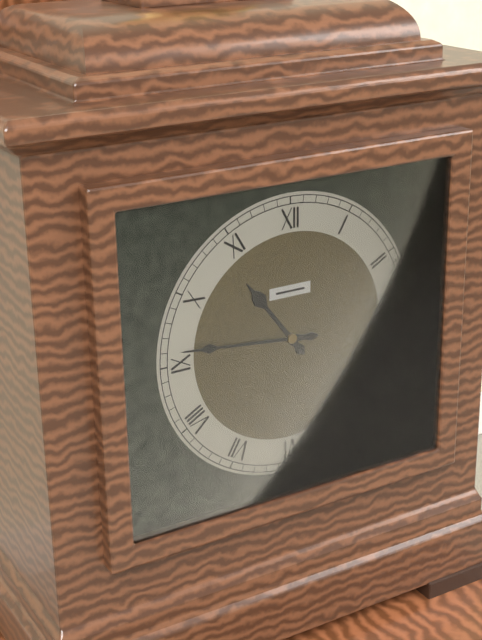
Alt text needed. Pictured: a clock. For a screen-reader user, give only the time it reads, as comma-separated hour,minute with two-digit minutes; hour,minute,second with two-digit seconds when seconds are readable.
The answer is 10,46
